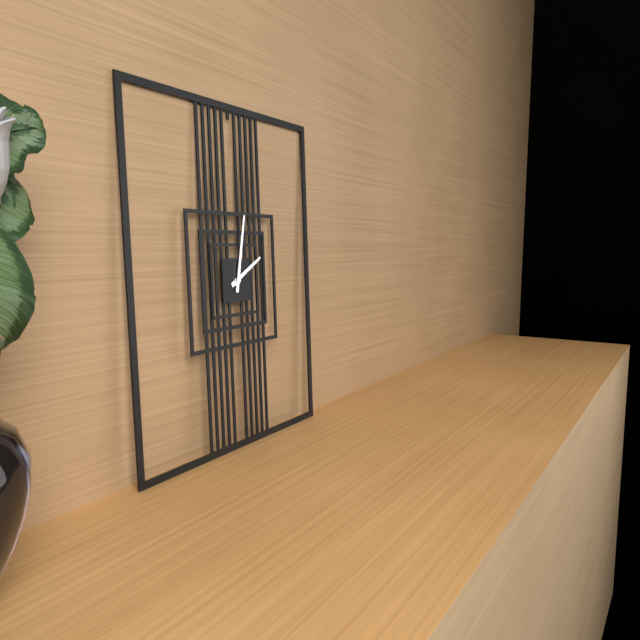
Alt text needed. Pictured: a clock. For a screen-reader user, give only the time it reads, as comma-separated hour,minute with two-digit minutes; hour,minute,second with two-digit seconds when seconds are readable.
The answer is 2,02
